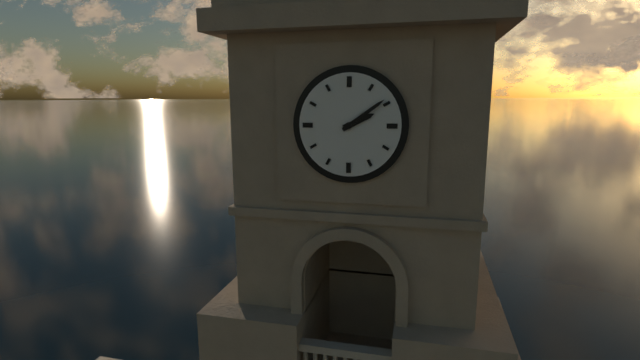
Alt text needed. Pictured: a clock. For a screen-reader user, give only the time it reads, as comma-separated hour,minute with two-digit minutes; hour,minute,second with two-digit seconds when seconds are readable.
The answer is 2,09
